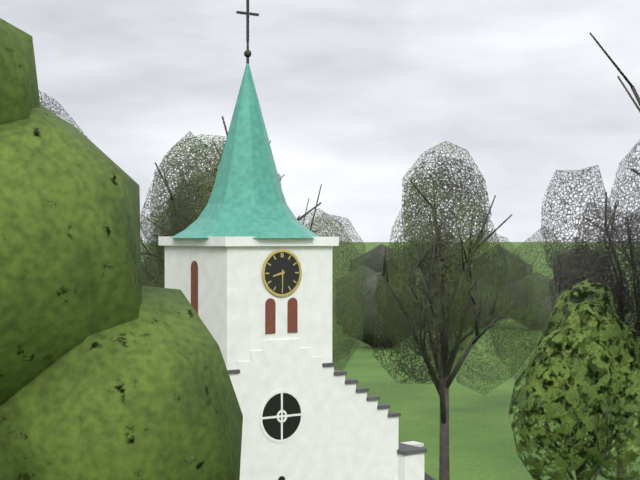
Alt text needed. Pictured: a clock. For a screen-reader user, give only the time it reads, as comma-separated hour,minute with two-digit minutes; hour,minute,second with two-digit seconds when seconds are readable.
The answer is 8,30
